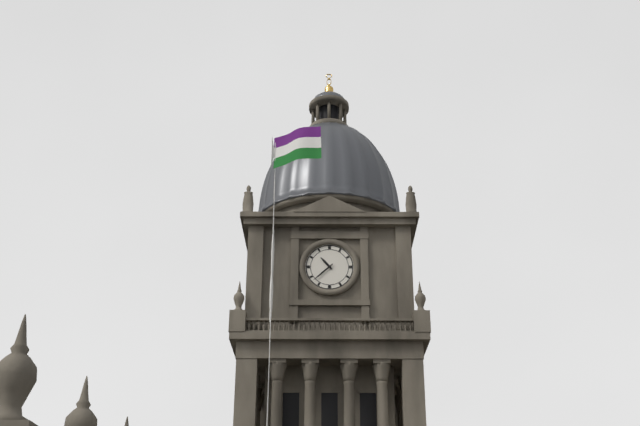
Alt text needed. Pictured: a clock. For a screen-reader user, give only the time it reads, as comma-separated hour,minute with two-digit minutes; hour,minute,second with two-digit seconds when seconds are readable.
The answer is 10,38
